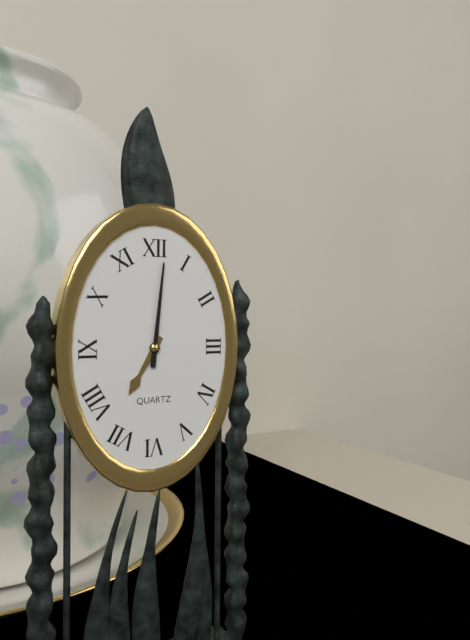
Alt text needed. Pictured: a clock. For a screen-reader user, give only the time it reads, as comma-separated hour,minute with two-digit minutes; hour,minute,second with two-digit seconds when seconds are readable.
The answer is 7,01
